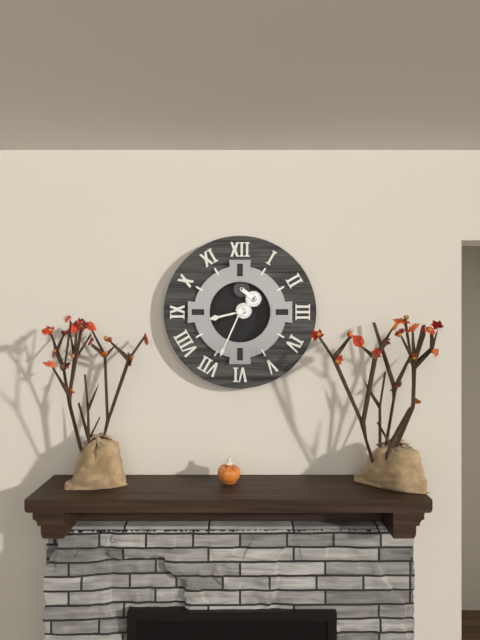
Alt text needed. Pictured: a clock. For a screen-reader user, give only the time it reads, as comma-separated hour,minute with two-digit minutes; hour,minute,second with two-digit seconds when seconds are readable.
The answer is 8,34
